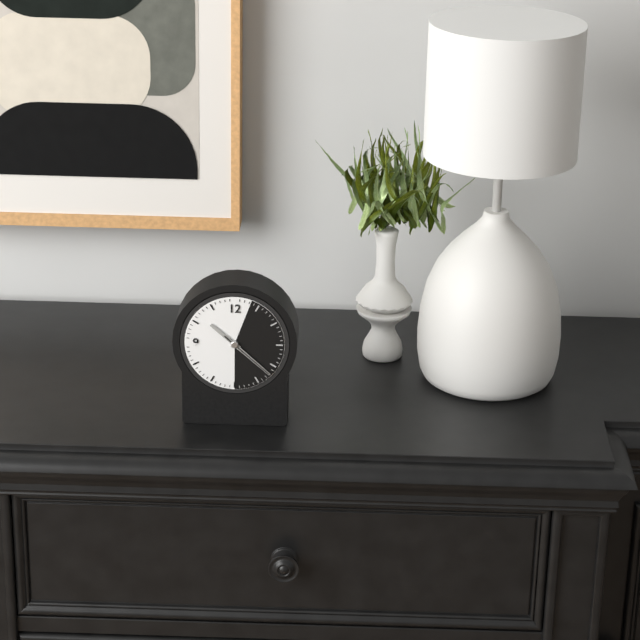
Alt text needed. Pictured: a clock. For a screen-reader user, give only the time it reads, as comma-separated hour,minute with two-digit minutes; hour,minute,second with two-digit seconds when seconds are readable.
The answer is 10,22,22
